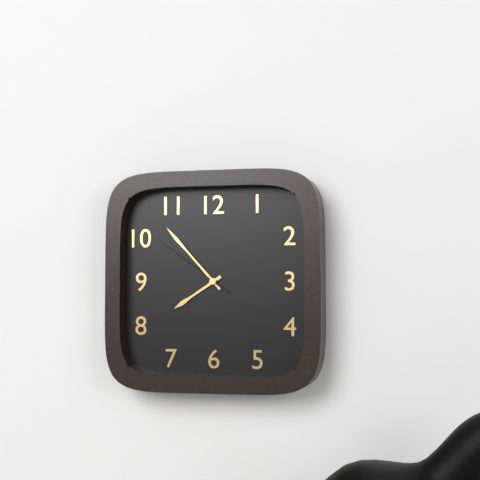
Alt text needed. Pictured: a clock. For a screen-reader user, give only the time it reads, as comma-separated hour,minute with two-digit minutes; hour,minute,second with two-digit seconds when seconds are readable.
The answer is 7,53,51
